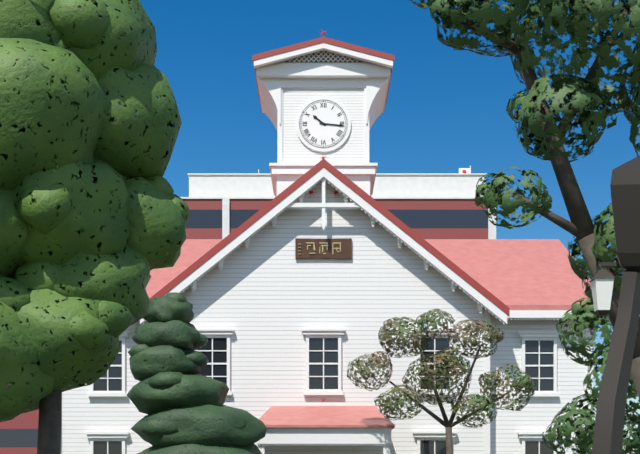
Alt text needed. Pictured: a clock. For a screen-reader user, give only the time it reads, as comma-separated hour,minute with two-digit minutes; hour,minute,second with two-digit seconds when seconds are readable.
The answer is 10,16
